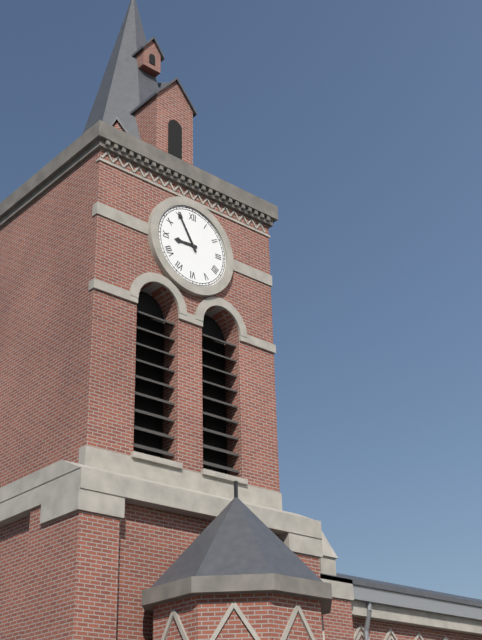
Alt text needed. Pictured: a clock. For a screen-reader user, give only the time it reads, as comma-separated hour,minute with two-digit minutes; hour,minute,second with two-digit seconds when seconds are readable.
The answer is 8,55
